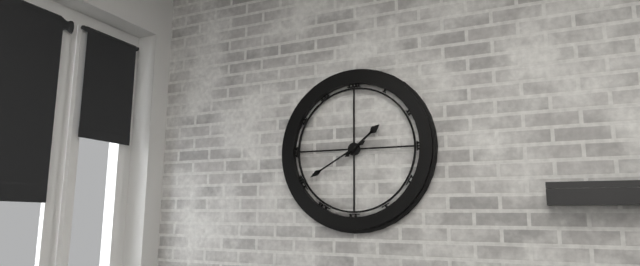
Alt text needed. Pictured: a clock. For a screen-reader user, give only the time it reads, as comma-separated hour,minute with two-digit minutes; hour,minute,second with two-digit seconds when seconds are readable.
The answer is 1,40
